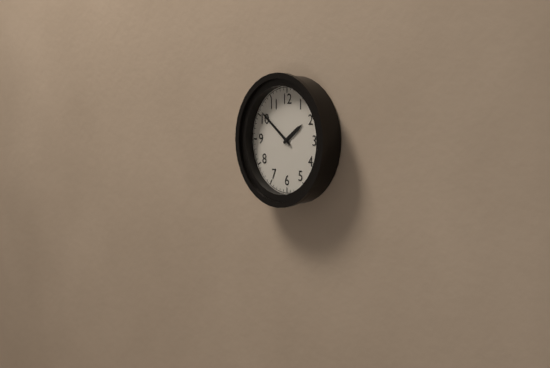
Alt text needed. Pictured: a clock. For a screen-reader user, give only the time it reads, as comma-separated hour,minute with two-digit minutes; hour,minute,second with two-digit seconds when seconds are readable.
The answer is 1,51
